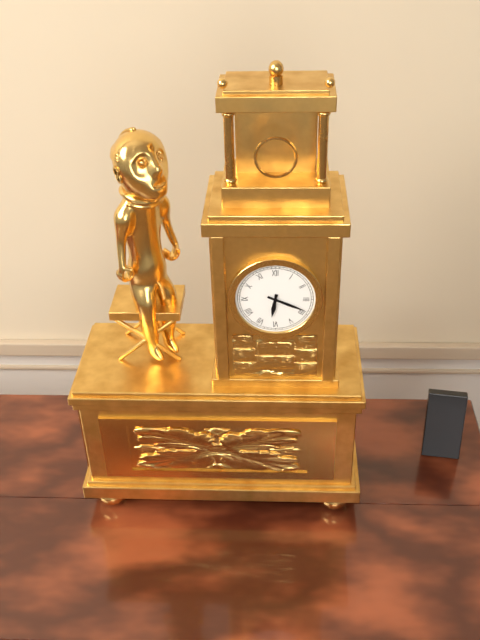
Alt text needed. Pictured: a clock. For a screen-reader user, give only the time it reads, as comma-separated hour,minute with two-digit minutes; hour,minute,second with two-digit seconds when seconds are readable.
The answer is 6,19
